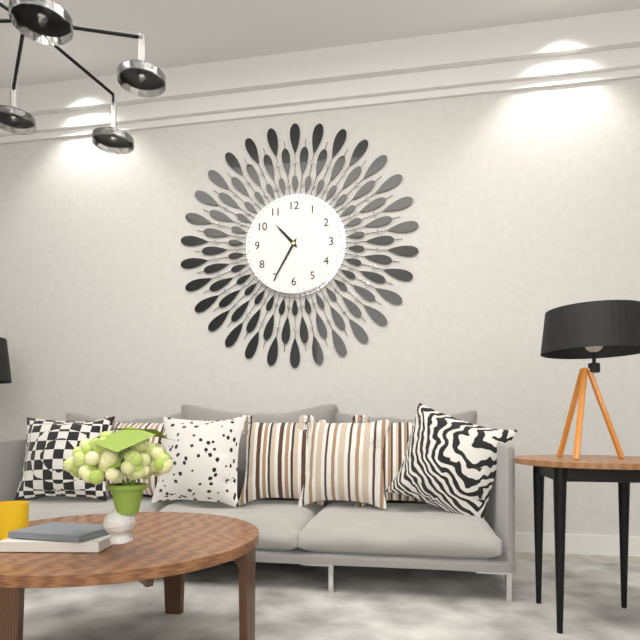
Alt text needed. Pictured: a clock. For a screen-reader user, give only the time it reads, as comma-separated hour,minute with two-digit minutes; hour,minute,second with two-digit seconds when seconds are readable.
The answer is 10,35
